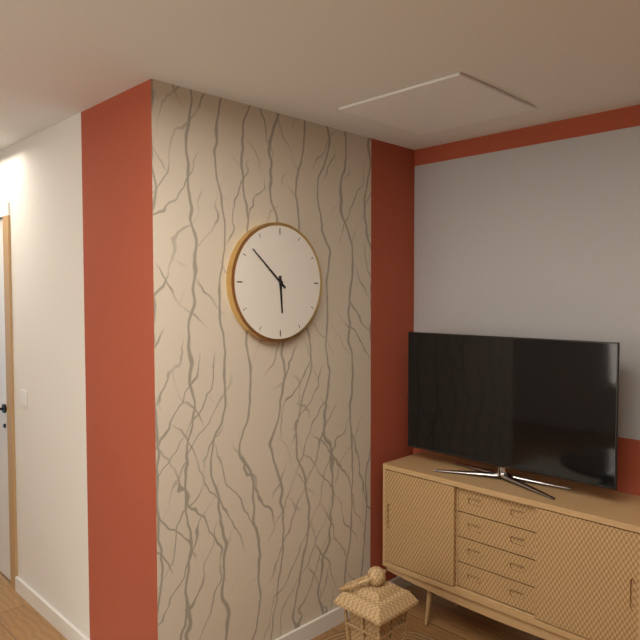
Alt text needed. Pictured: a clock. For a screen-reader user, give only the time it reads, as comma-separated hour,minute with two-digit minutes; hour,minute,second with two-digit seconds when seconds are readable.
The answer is 5,52
